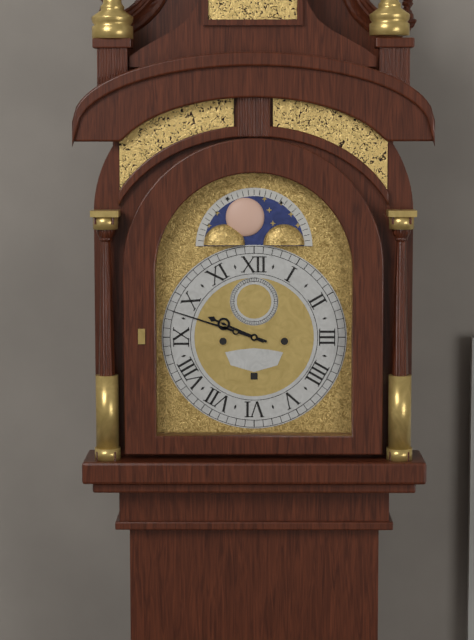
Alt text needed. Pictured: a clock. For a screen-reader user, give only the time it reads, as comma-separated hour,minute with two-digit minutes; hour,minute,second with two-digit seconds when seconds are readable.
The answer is 9,48
